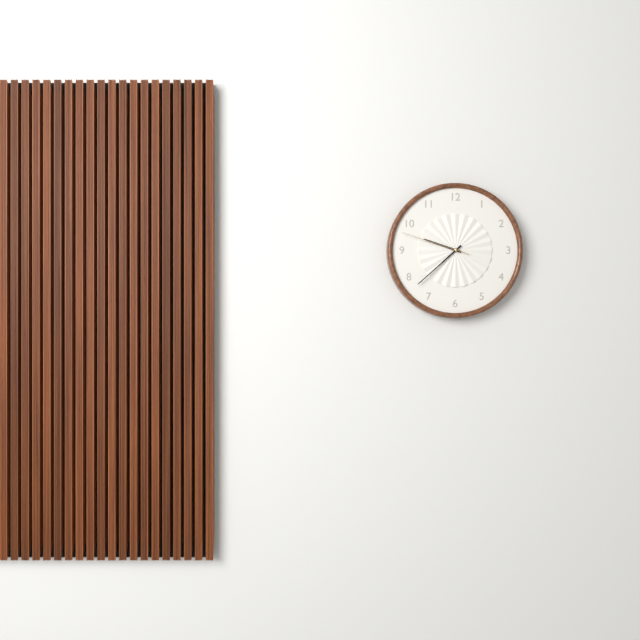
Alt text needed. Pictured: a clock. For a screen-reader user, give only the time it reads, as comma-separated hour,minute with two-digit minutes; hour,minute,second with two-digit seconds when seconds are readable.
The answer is 9,38,48
